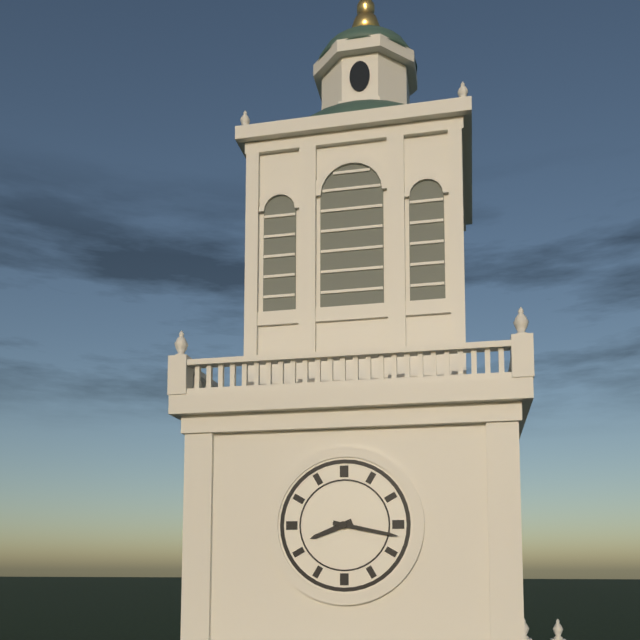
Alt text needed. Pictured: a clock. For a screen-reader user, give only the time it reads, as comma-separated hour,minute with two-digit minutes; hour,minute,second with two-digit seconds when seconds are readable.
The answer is 8,17
